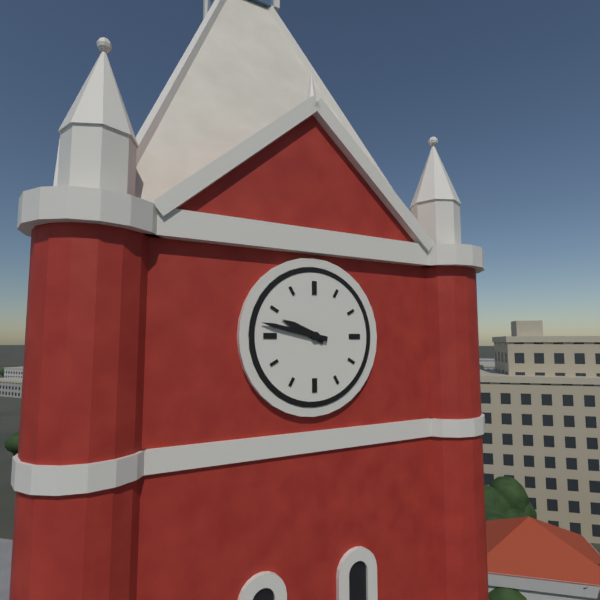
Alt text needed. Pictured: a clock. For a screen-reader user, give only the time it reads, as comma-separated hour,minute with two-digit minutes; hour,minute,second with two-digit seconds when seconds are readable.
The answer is 9,47
